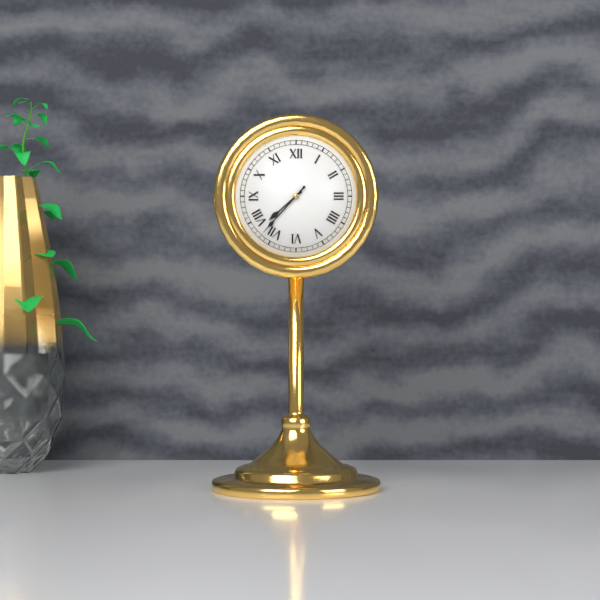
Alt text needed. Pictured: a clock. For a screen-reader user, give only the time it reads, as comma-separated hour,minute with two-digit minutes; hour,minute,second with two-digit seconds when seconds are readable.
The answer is 7,37
